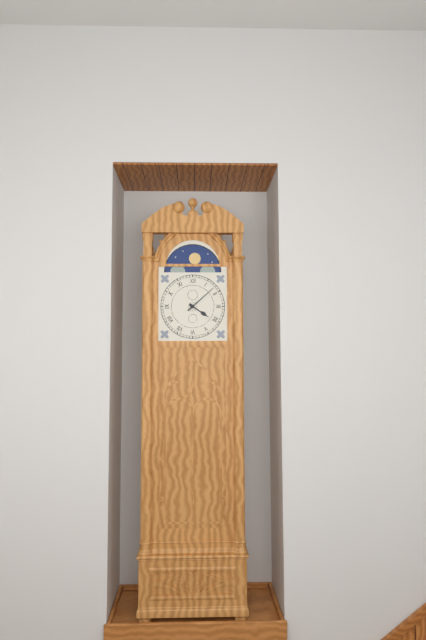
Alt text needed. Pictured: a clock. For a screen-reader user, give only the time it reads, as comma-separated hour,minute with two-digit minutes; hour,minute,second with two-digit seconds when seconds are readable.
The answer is 4,08
